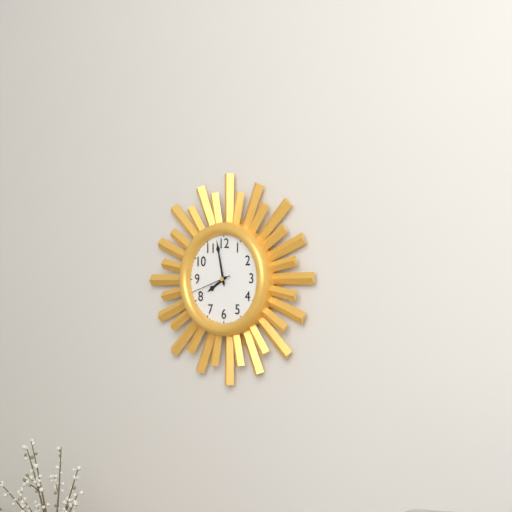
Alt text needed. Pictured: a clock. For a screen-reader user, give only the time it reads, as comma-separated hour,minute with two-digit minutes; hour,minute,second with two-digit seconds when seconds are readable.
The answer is 7,58
